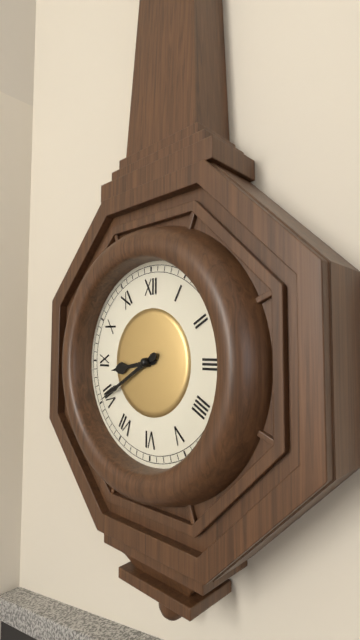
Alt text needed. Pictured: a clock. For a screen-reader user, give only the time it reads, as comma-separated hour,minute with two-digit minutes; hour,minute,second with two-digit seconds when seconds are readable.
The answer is 8,40
